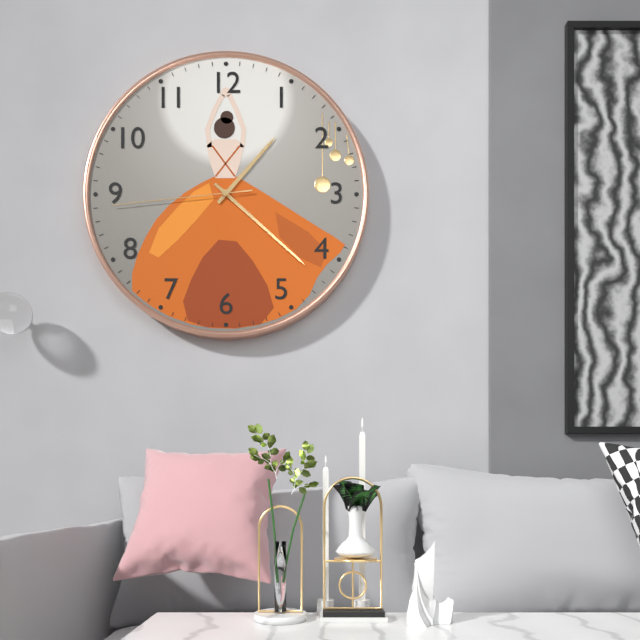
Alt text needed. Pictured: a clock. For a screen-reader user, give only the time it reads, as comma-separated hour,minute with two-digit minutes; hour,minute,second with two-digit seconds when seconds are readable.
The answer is 1,22,44
